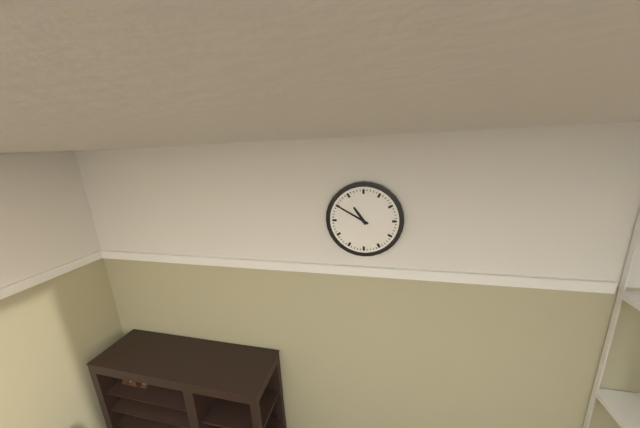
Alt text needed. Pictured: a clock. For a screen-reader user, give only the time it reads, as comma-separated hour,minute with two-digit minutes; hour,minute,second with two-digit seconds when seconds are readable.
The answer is 10,50
